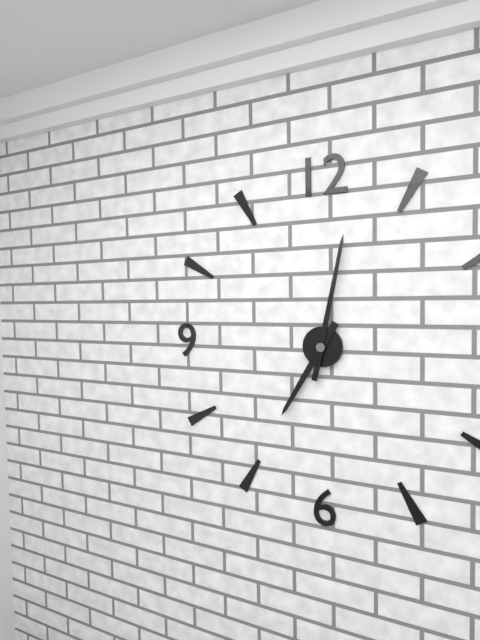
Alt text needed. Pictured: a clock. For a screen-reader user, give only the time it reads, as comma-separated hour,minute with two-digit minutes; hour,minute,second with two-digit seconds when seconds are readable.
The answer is 7,02
